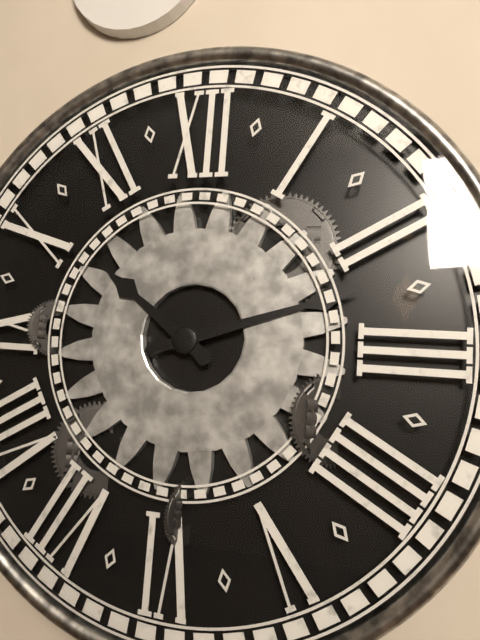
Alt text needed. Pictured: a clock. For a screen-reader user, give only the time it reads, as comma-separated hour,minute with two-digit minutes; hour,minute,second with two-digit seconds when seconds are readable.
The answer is 10,12
